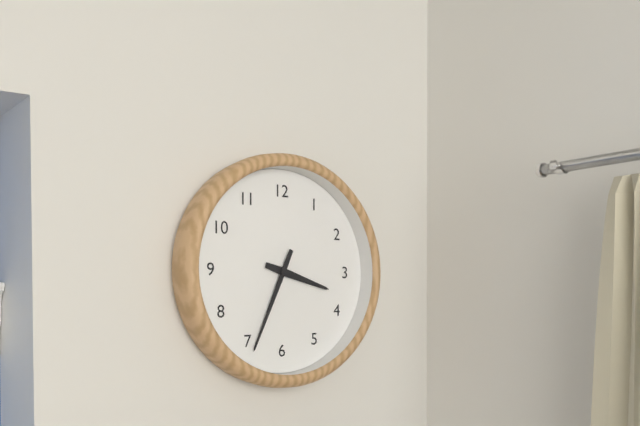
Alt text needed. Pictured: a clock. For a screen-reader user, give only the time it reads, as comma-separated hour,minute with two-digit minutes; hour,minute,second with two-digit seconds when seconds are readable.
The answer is 3,34
